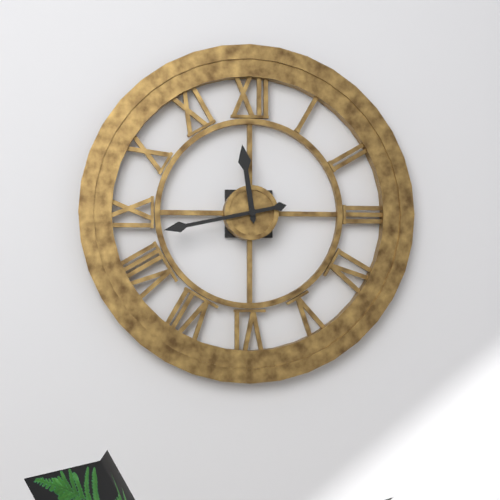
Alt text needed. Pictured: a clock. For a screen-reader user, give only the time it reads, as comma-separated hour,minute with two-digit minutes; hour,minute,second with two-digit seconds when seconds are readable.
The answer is 11,43
